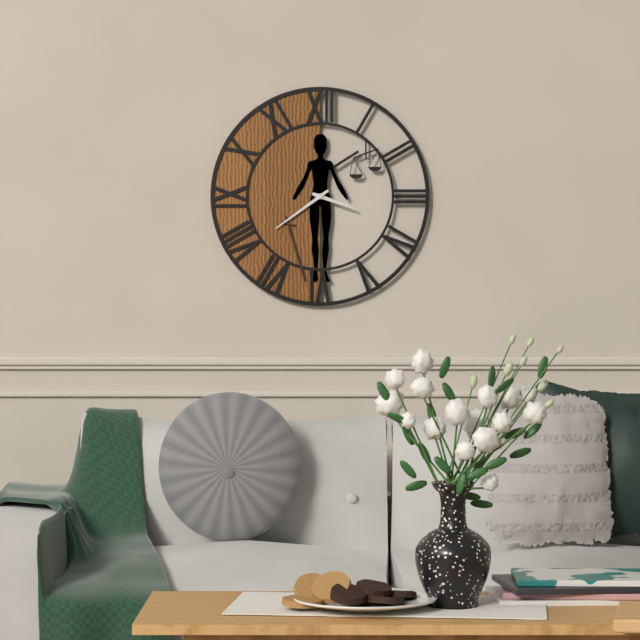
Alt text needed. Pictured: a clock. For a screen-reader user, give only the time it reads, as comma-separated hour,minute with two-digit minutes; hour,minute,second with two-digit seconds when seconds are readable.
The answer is 3,39
